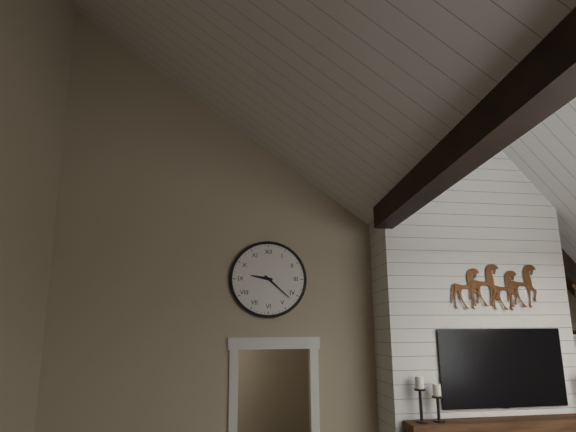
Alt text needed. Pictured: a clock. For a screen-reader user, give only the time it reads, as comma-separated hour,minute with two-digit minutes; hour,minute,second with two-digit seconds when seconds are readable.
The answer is 9,22
